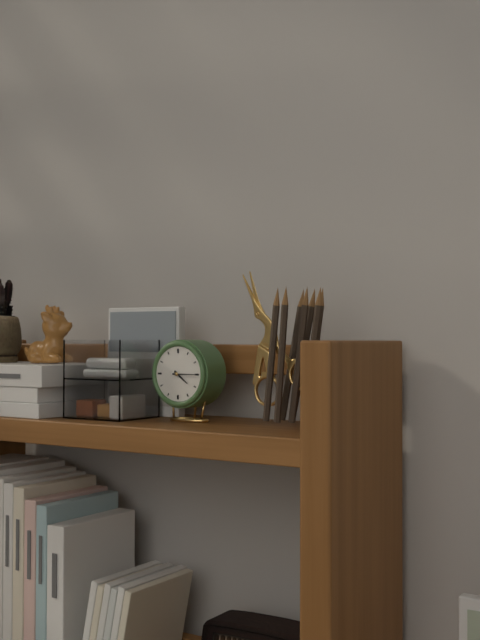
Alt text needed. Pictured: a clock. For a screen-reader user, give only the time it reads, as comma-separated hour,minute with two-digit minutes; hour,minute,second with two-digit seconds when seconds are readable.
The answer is 4,15
